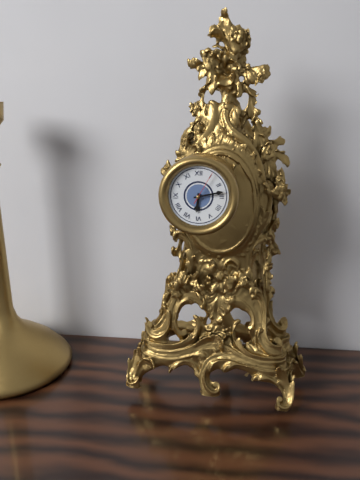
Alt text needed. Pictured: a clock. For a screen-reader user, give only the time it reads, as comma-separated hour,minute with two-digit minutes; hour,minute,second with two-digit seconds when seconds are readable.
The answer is 6,13
